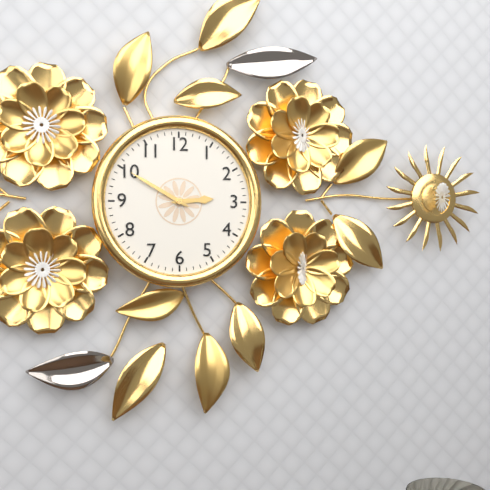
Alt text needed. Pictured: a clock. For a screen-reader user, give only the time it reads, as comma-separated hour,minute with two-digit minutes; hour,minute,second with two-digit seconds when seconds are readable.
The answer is 2,50
